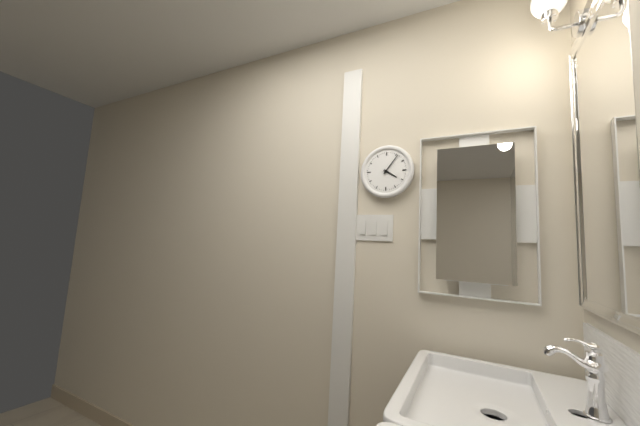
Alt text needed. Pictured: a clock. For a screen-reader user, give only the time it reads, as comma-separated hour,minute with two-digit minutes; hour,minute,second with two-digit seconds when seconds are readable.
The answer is 4,06
